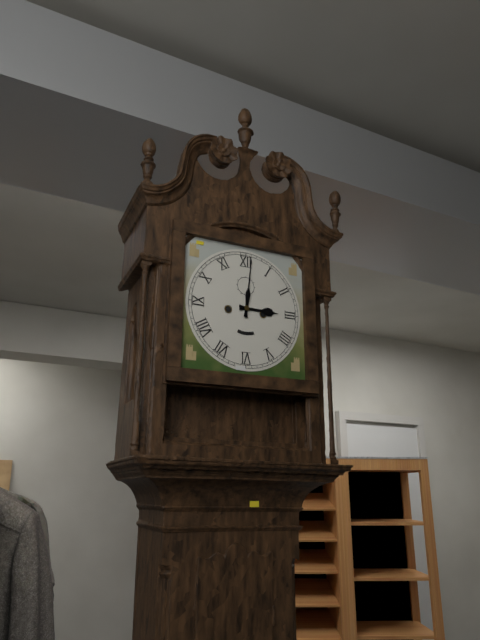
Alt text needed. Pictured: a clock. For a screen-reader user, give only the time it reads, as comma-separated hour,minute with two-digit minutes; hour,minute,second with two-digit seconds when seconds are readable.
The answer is 3,01
